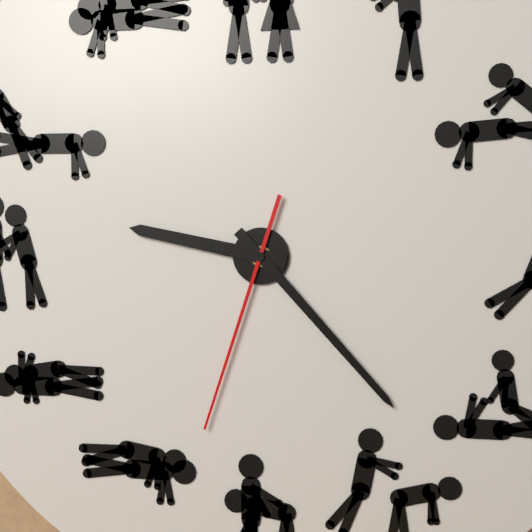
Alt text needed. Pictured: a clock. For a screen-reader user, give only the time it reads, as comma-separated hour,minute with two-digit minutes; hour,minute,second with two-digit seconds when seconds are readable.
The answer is 9,23,33
